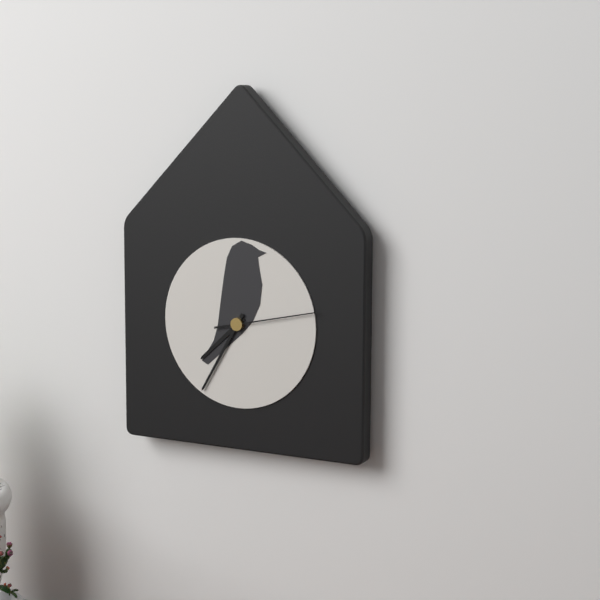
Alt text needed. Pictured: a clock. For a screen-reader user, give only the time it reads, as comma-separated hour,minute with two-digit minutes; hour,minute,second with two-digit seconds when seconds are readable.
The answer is 7,35,13
